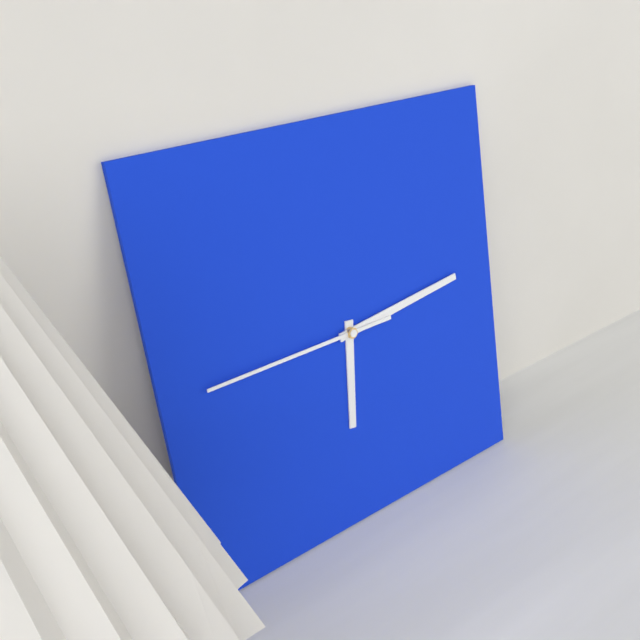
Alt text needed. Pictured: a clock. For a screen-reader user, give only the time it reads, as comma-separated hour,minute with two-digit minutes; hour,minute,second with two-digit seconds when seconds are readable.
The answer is 6,14,45
